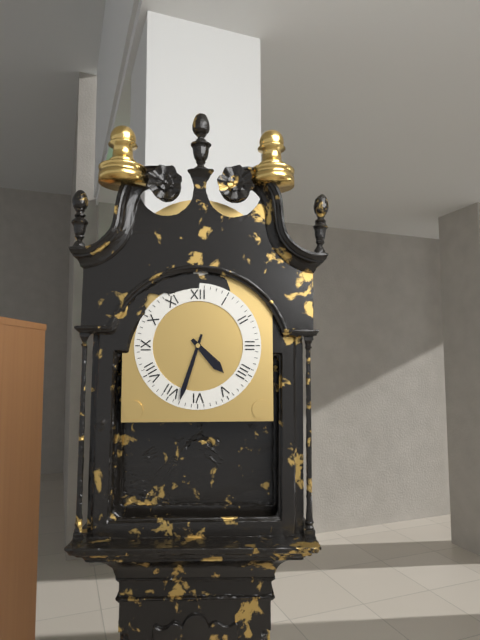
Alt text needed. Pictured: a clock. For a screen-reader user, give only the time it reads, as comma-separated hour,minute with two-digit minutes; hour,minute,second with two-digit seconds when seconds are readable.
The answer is 4,33
